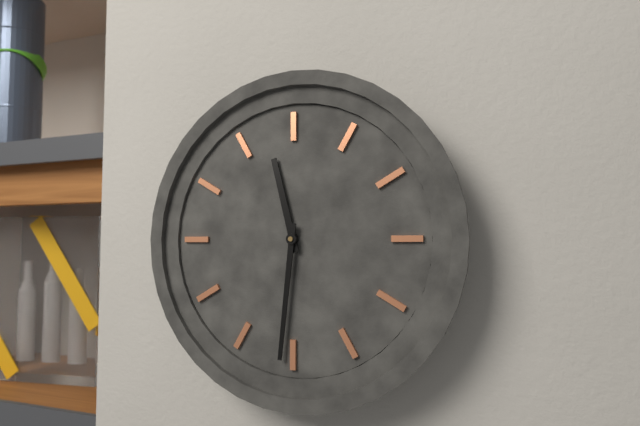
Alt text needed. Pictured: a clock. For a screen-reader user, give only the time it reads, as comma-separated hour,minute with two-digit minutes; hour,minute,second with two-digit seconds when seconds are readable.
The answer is 11,31
